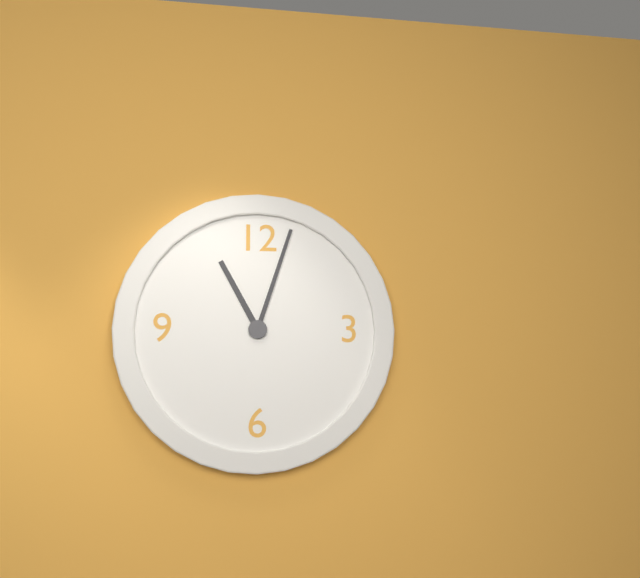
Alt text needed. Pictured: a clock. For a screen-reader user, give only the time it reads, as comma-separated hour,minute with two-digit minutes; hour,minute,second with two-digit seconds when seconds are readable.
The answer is 11,03
